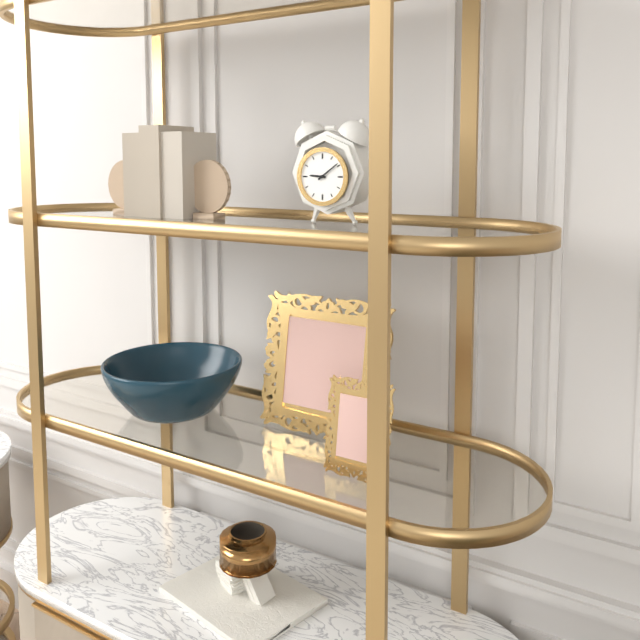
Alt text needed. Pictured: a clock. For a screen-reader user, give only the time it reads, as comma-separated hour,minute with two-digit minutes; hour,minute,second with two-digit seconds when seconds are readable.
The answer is 9,09
